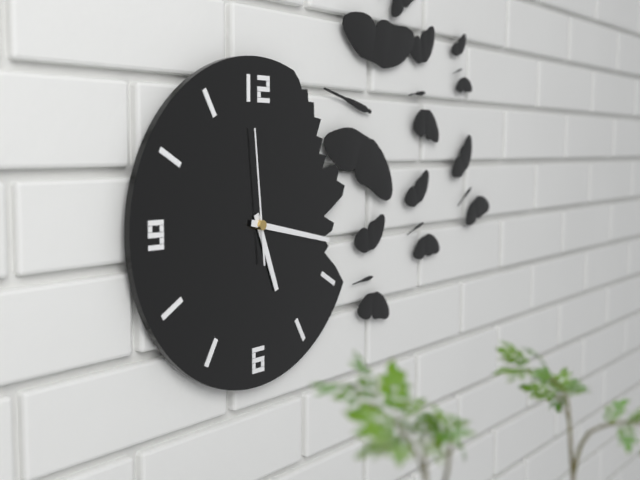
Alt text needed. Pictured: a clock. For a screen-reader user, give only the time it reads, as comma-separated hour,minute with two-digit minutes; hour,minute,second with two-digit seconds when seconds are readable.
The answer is 5,17,59
